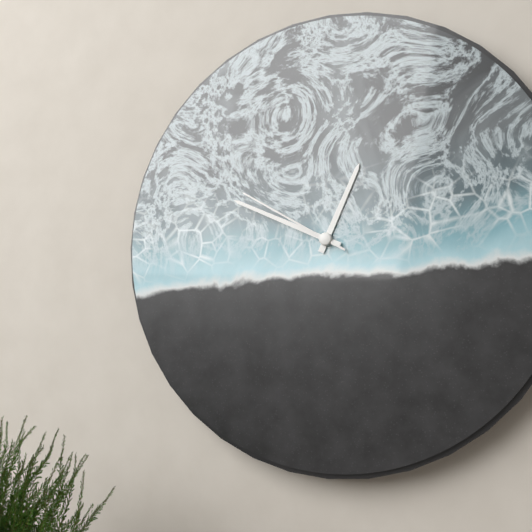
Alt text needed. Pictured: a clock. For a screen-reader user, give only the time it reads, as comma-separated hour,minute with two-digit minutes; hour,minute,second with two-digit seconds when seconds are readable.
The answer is 12,49,50
